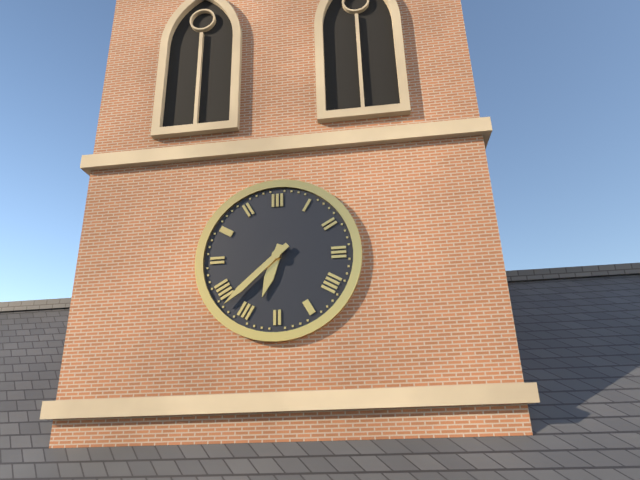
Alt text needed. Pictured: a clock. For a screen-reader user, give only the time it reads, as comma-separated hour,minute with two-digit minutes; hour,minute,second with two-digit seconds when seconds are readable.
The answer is 6,38
